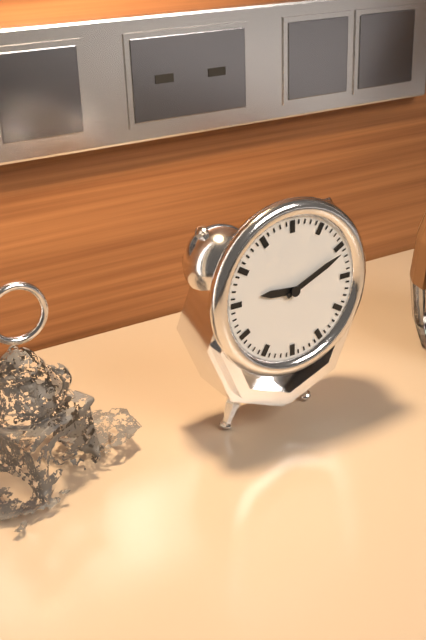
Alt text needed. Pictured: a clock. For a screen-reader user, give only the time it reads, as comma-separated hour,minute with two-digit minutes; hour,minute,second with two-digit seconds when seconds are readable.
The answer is 9,11
